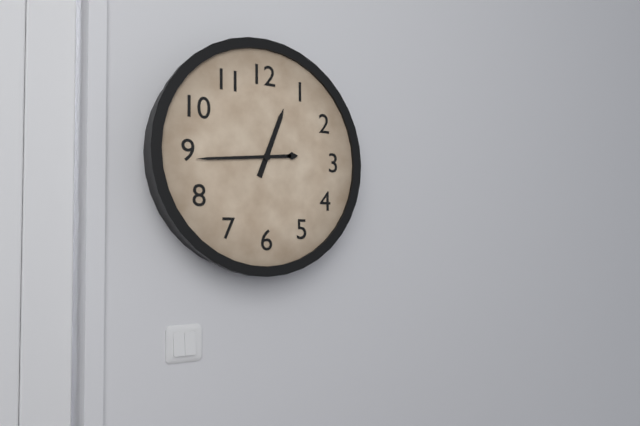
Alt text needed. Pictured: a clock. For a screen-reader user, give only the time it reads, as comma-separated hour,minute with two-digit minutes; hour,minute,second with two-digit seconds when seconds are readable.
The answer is 12,44
